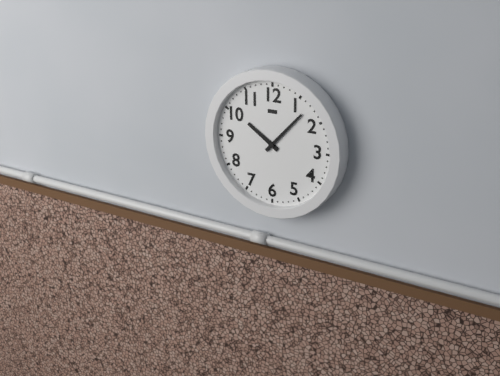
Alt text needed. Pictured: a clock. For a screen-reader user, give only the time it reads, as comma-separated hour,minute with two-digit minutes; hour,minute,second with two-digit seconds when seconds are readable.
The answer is 10,07
